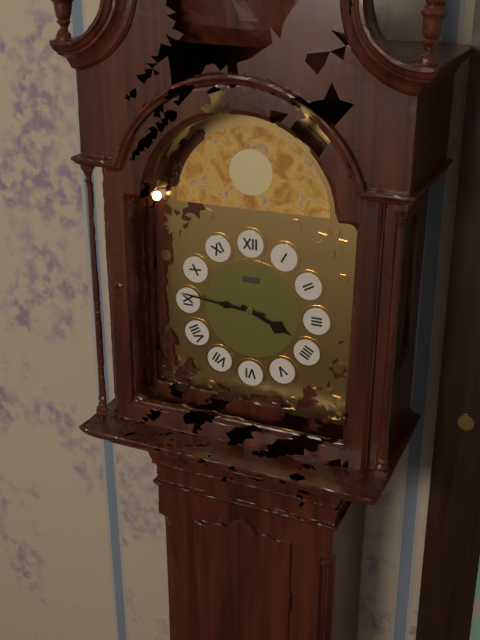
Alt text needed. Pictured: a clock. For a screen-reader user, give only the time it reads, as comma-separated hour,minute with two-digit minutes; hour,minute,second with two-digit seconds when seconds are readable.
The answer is 3,46
